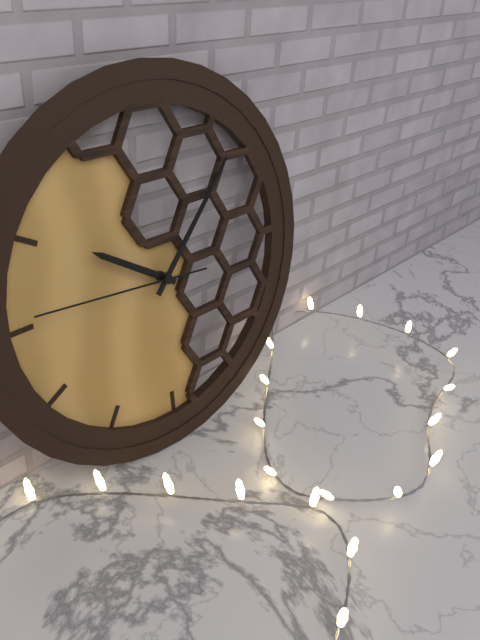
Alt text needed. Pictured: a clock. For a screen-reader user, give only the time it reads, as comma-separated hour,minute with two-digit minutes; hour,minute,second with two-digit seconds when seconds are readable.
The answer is 10,07,46
